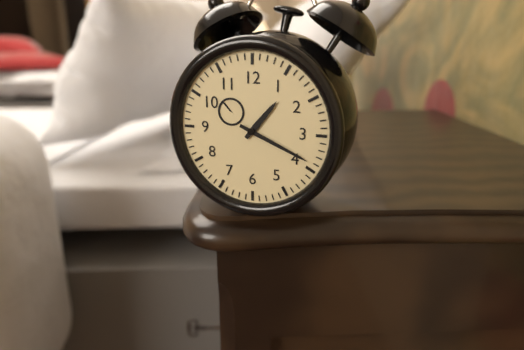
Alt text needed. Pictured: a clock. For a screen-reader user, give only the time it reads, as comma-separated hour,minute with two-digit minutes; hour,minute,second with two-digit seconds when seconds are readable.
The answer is 1,19
